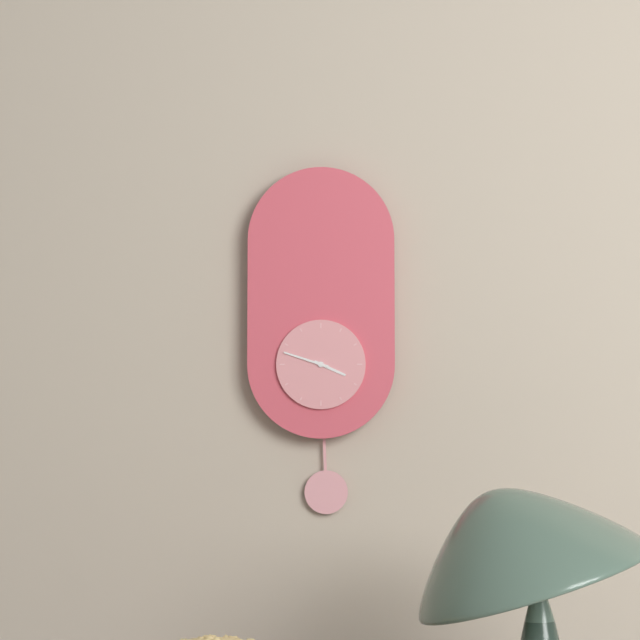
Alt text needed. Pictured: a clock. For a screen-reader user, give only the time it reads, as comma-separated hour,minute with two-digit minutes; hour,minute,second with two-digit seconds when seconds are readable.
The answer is 3,48
